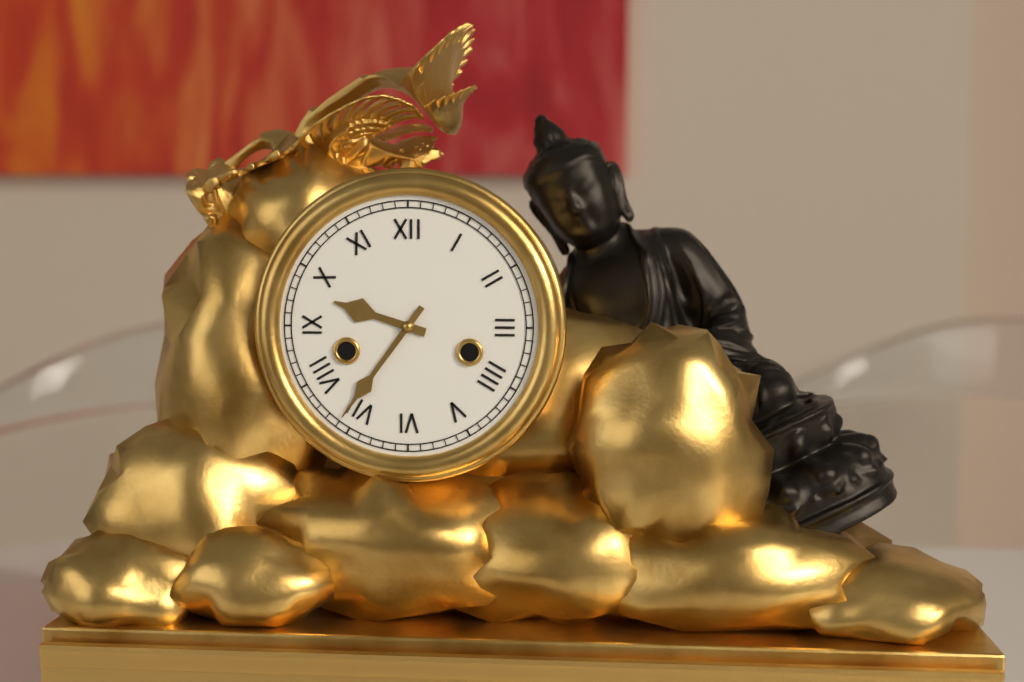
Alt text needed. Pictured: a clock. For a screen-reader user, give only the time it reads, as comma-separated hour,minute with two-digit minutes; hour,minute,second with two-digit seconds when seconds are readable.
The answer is 9,36
